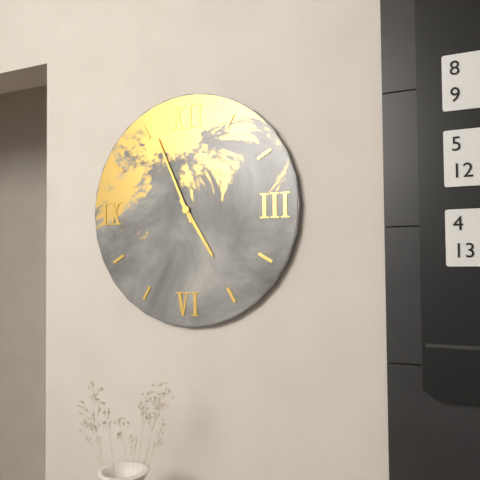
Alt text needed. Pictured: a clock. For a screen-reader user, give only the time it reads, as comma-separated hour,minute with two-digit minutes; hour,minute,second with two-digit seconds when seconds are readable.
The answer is 4,56
